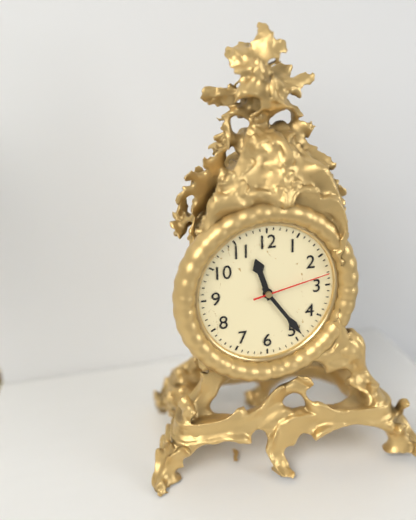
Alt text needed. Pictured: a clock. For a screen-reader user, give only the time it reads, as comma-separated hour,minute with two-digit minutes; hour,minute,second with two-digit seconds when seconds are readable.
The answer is 11,24,13
